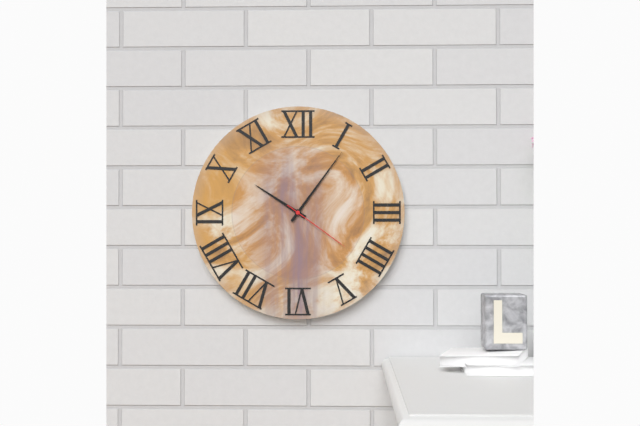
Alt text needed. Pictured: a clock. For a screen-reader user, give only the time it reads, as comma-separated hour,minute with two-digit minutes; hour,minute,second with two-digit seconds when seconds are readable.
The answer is 10,06,21
